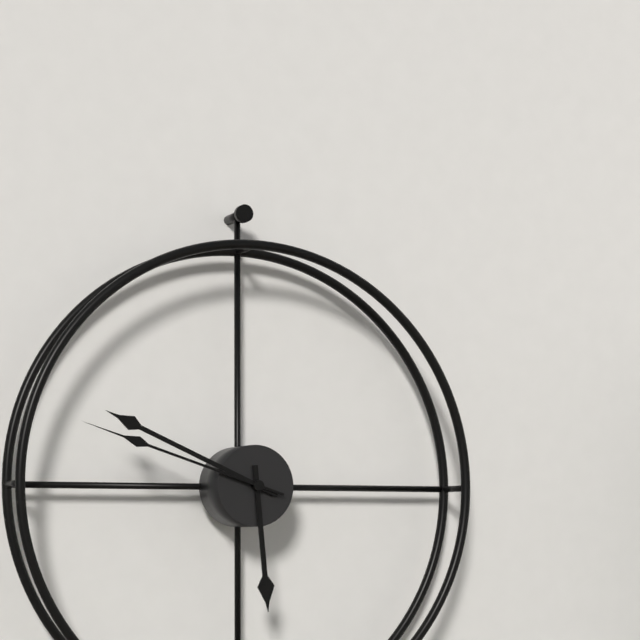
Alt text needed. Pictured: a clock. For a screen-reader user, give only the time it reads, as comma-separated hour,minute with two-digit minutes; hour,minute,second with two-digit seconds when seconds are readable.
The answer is 5,49,48
